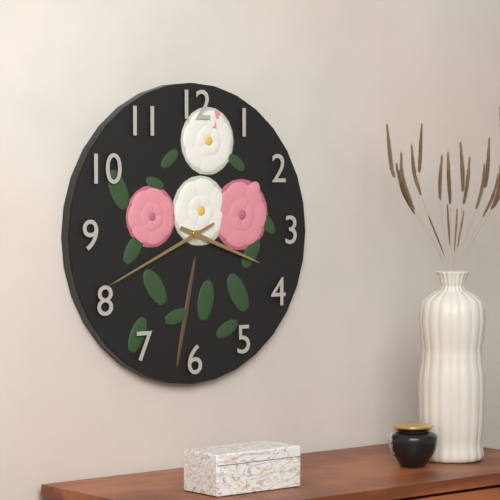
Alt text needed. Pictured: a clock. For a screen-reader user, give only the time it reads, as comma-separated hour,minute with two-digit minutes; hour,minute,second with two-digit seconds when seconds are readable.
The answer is 3,41
